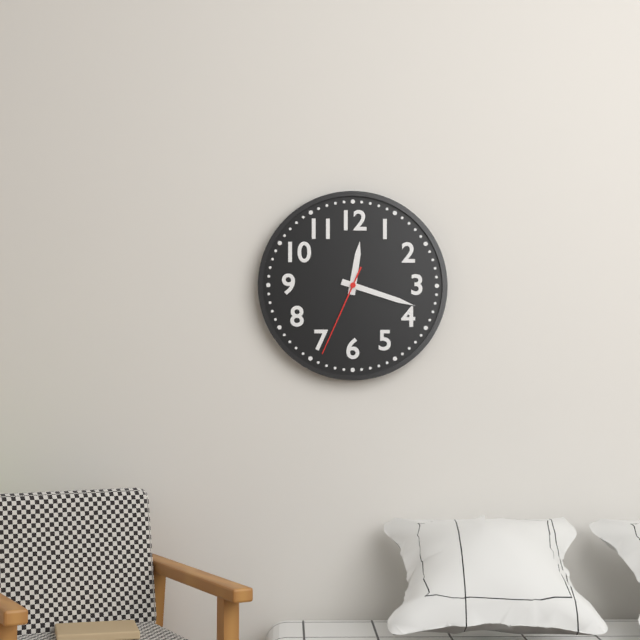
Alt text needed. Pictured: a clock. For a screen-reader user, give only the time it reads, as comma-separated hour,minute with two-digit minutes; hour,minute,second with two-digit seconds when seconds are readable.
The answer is 12,18,34
